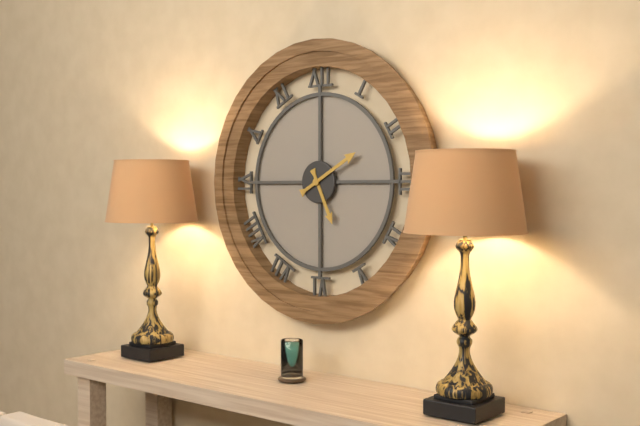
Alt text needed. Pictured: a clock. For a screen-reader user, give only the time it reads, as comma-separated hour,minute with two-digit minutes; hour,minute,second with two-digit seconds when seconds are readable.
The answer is 5,10
